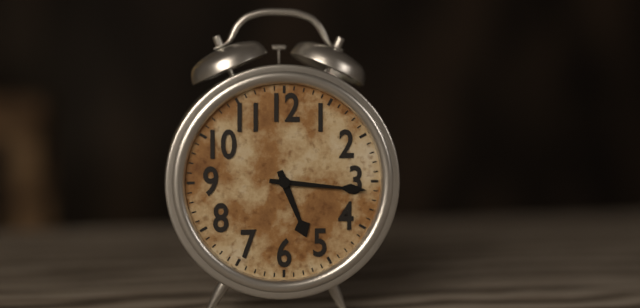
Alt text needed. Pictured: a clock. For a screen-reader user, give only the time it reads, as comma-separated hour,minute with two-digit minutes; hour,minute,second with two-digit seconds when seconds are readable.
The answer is 5,16
